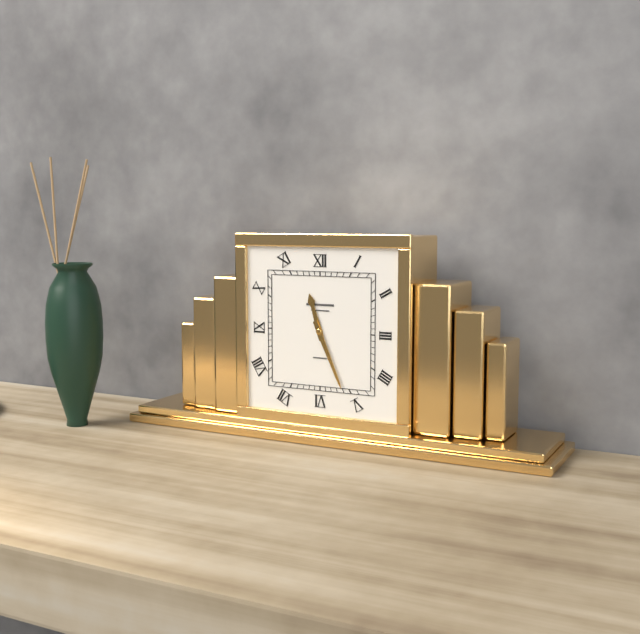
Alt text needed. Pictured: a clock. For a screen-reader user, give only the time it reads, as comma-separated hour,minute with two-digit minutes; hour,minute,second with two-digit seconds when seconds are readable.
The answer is 11,26
